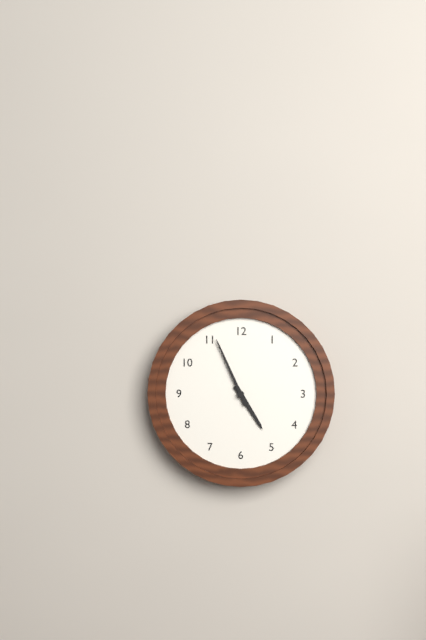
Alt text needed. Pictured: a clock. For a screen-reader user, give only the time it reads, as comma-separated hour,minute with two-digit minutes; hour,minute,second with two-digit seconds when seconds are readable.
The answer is 4,56
